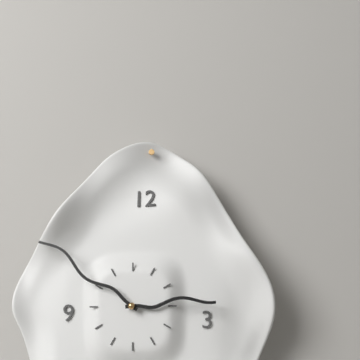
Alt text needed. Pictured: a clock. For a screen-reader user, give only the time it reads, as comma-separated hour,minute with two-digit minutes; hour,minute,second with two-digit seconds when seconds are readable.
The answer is 2,51
